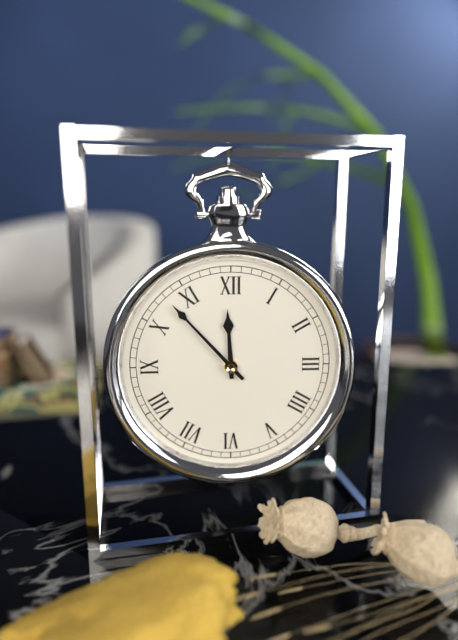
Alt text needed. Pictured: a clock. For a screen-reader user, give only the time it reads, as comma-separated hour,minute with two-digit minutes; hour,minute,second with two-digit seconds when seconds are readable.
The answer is 11,53
